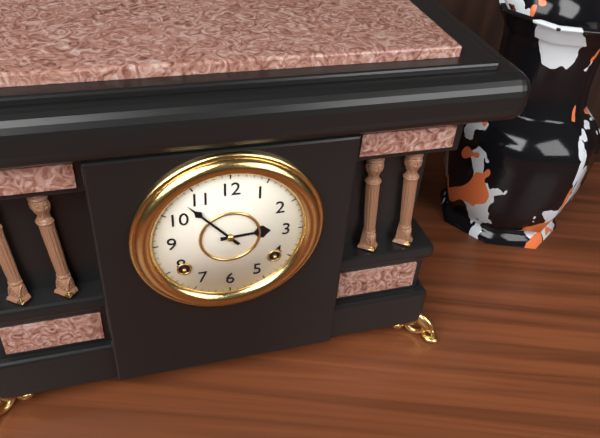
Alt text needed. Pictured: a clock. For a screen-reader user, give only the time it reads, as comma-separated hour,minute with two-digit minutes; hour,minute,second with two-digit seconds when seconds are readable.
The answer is 2,53
